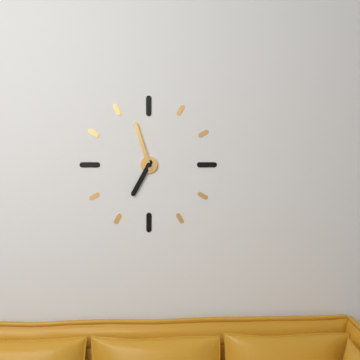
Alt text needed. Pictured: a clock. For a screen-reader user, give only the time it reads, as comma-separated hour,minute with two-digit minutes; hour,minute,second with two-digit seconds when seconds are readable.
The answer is 6,57
